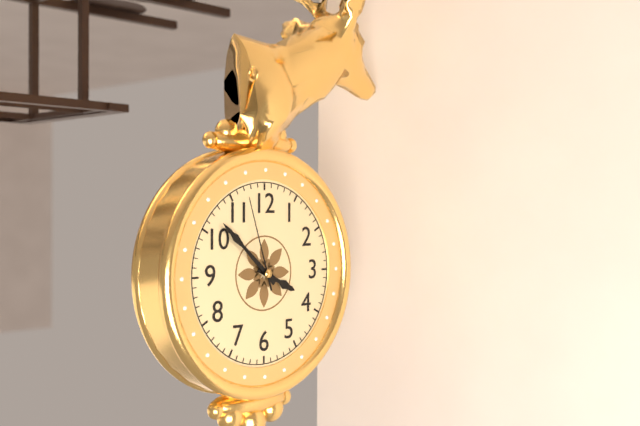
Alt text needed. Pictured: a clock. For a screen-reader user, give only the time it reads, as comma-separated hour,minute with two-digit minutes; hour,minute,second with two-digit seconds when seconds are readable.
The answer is 3,52,57
